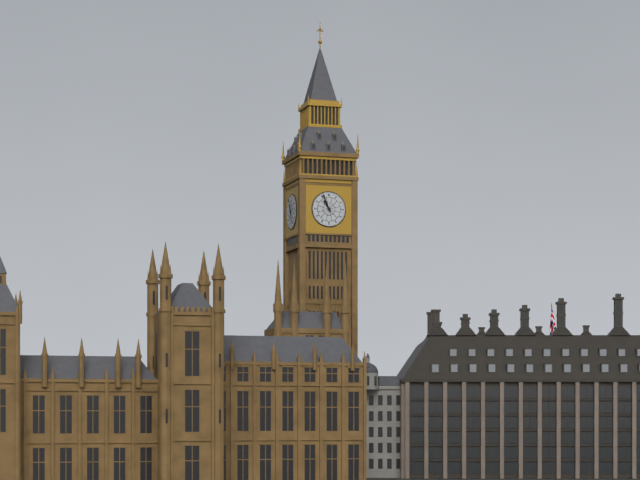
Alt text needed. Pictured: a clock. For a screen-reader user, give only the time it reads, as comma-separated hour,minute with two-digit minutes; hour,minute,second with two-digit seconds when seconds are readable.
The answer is 10,56
